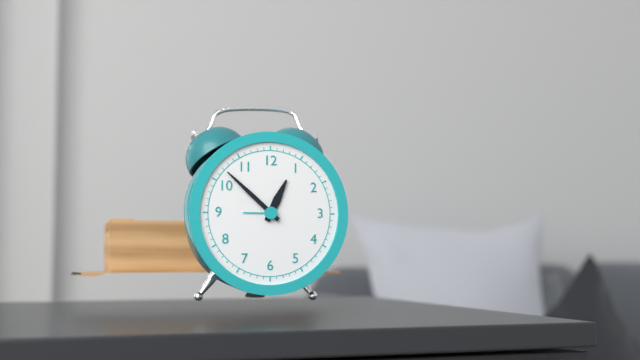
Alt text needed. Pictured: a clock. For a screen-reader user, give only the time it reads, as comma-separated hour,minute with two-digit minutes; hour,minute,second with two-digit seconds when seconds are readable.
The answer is 12,52
